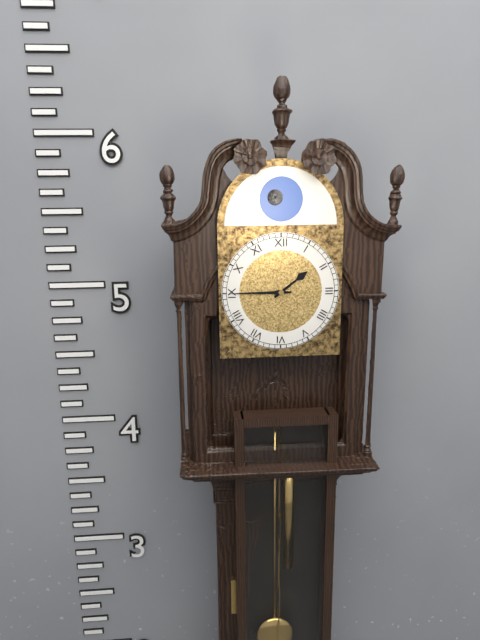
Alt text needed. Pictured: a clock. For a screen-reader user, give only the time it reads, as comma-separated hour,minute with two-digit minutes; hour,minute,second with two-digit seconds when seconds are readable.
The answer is 1,45
